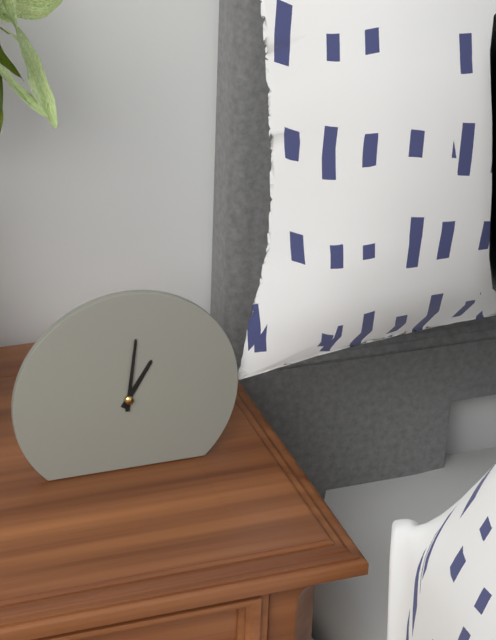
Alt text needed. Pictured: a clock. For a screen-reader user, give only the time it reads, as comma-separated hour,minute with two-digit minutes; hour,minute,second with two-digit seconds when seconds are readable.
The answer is 1,01
